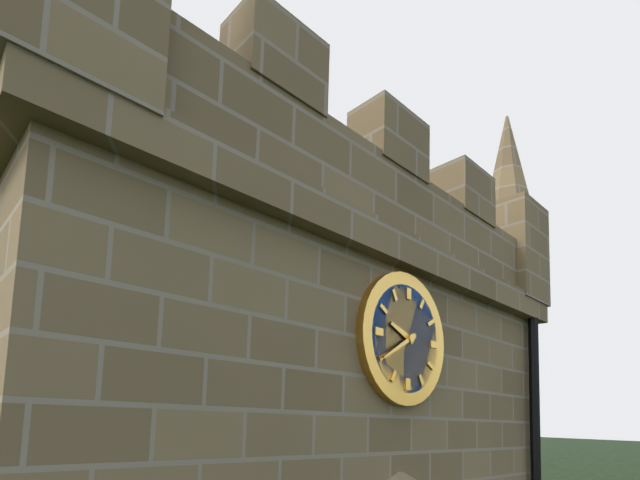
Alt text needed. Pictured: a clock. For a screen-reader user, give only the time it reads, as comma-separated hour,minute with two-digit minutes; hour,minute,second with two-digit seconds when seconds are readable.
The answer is 9,40
